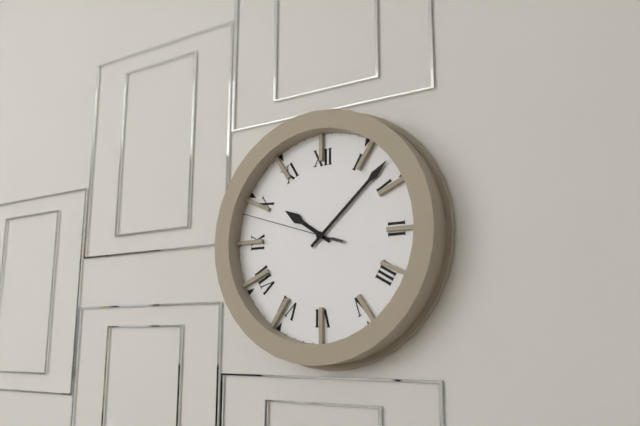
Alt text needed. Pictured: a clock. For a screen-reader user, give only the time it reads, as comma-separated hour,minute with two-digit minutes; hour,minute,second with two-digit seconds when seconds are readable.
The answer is 10,08,48
